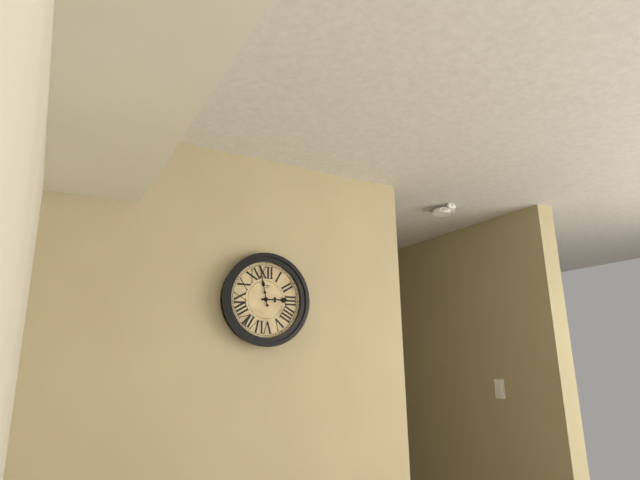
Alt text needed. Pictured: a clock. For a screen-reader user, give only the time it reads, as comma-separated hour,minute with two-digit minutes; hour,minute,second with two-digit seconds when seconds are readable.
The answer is 2,58
